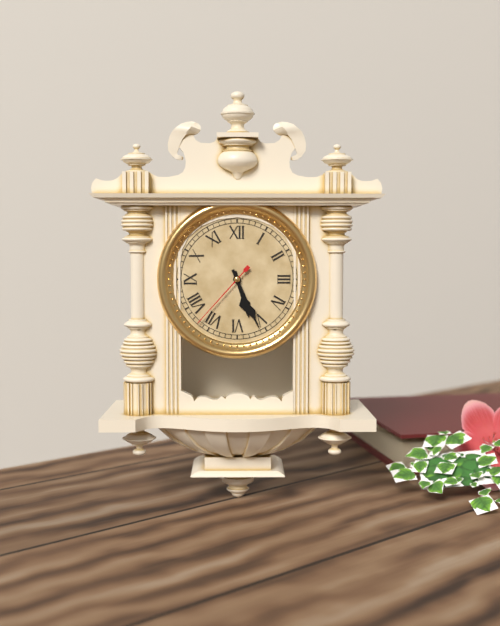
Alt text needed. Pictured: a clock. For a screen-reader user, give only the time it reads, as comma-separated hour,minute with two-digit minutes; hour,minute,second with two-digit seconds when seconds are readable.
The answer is 5,26,37
